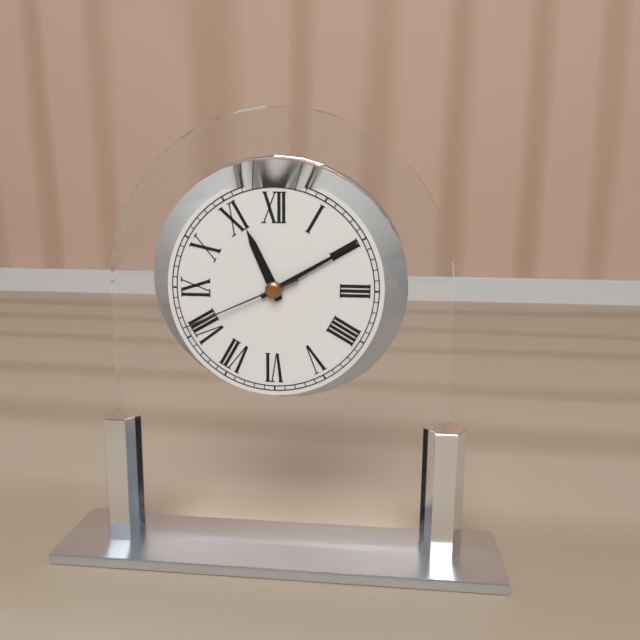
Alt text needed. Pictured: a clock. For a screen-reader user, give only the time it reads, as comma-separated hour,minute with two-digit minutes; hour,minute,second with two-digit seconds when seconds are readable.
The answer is 11,10,41
